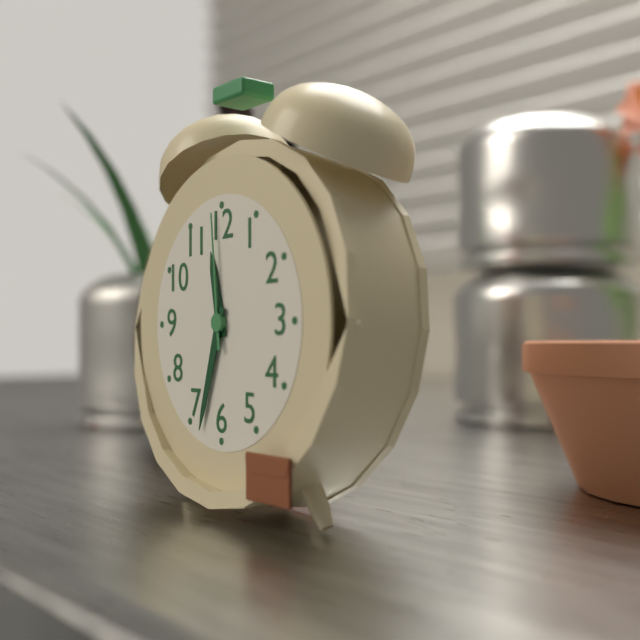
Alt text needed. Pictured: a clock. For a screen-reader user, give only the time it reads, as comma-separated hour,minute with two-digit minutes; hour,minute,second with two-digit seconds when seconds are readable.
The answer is 11,33,59
